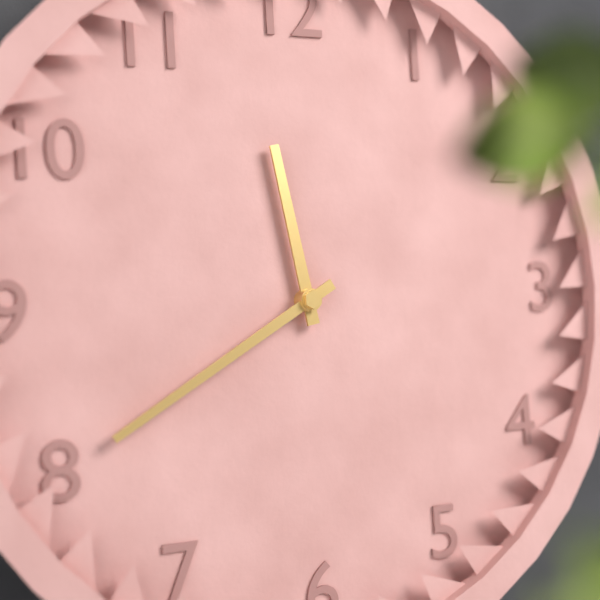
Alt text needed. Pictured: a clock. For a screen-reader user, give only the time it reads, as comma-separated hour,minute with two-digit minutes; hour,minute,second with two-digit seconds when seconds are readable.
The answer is 11,40
